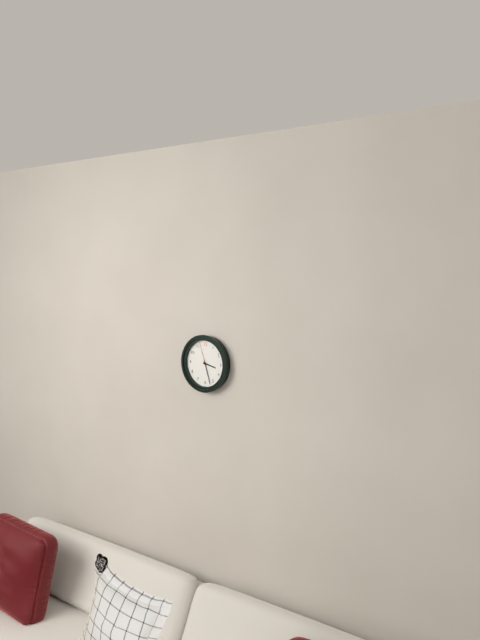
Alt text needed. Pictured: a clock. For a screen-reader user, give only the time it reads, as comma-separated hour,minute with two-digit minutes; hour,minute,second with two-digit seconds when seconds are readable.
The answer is 3,27
